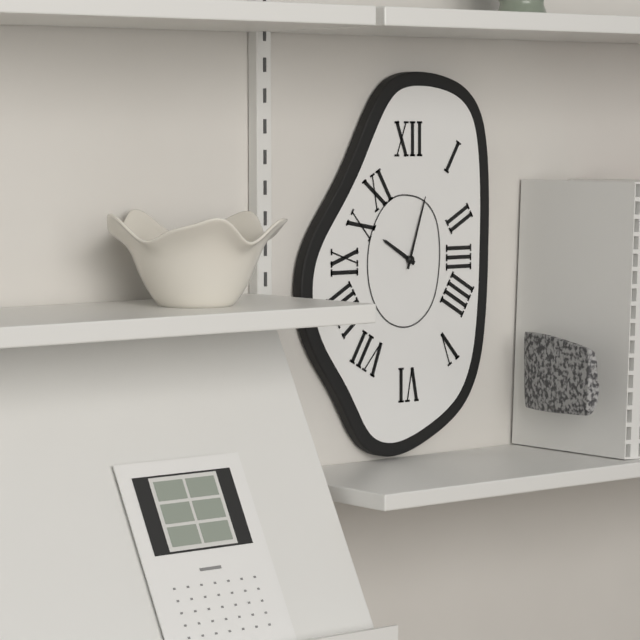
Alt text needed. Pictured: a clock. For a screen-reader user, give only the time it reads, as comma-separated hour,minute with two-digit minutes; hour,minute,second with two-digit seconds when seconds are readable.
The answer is 10,03
